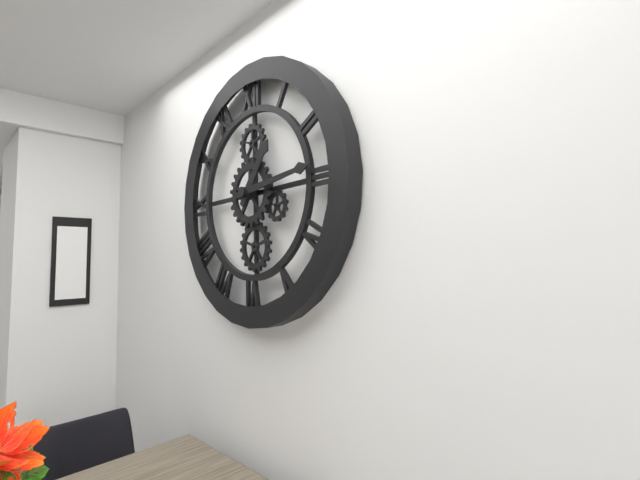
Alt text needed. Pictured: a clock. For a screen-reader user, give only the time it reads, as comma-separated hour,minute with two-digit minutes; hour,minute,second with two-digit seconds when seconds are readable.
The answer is 1,14
